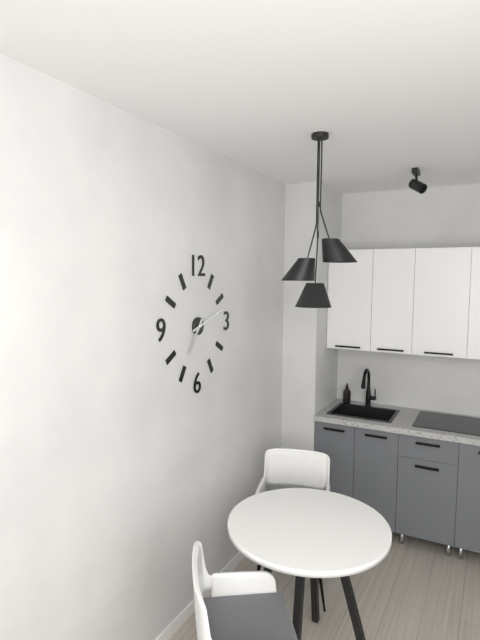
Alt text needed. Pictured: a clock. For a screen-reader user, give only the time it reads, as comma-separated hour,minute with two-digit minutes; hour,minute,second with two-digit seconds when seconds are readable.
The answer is 7,12
